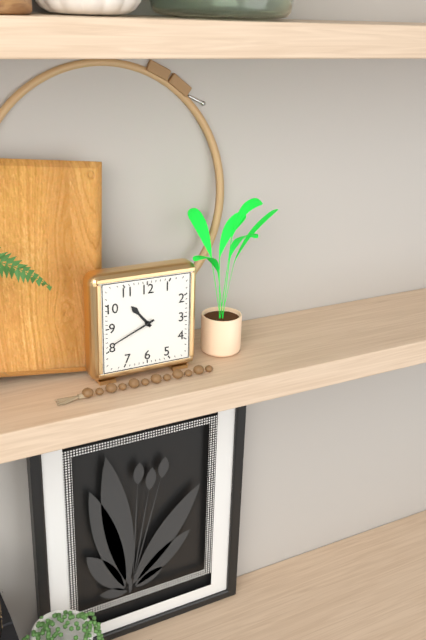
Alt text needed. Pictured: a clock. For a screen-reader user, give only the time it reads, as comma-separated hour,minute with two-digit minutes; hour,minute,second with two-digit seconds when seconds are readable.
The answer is 10,41
